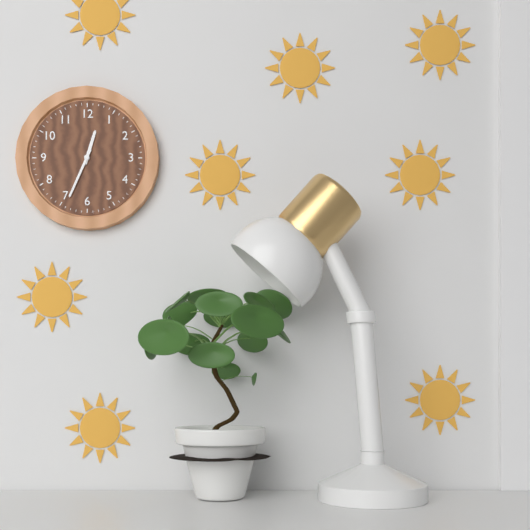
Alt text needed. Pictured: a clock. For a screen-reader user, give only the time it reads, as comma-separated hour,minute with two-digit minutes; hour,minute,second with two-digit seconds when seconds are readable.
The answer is 12,34
